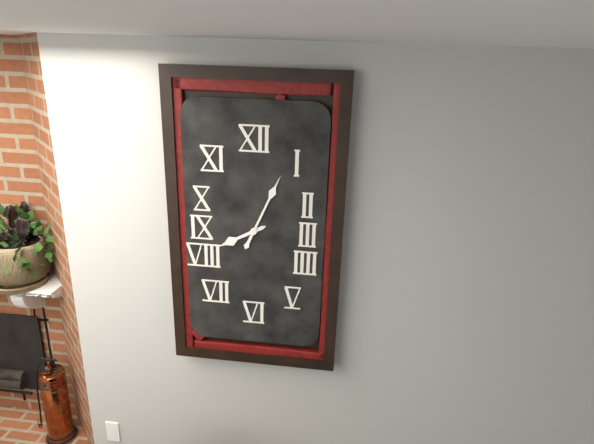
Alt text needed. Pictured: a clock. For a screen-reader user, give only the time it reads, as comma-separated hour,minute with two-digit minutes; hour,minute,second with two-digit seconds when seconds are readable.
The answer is 8,04
